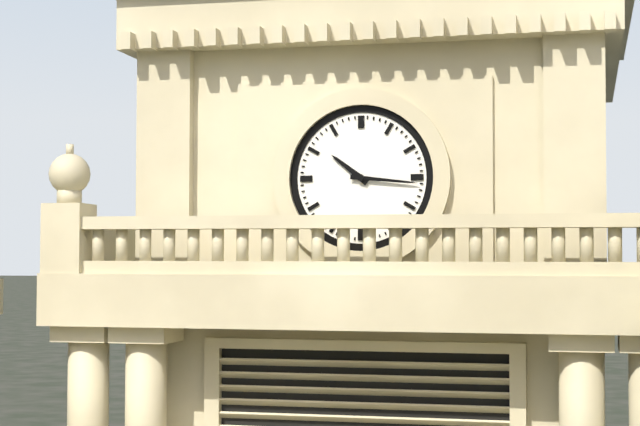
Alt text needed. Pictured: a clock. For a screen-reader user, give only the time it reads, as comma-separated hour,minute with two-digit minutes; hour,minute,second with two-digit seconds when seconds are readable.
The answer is 10,16
